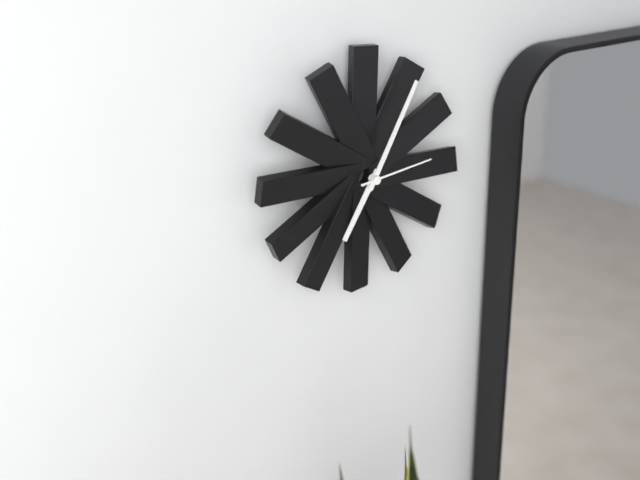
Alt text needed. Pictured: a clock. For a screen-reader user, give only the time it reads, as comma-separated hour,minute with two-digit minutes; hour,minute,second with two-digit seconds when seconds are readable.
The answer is 7,05,14
